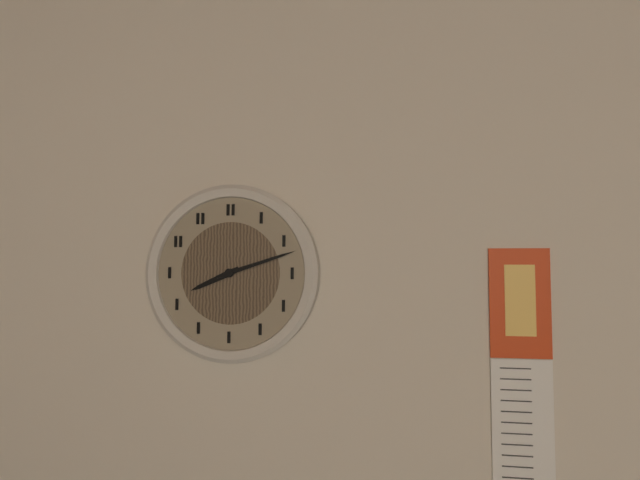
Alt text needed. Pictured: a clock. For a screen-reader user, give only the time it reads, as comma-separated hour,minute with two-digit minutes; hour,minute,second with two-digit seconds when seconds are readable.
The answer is 8,12
